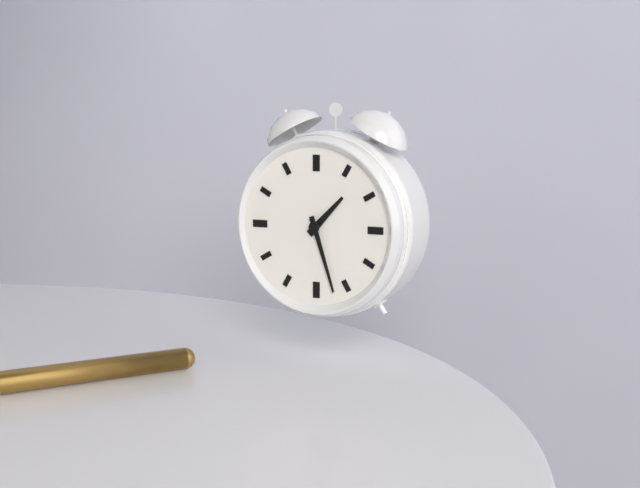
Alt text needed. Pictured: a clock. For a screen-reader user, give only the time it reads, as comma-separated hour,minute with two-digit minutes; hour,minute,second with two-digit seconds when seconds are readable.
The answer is 1,27
